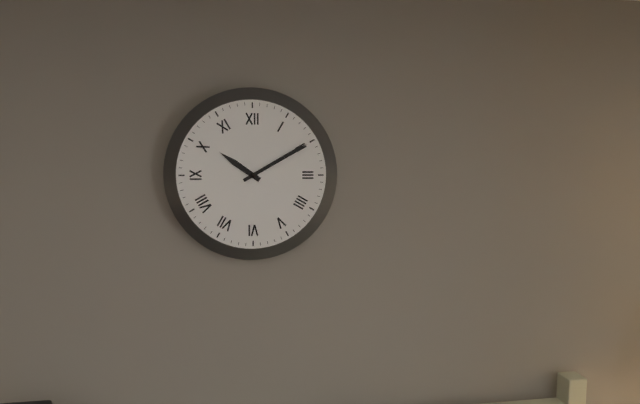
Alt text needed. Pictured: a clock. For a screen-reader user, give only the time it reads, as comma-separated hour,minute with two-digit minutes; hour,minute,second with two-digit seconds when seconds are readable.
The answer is 10,10
